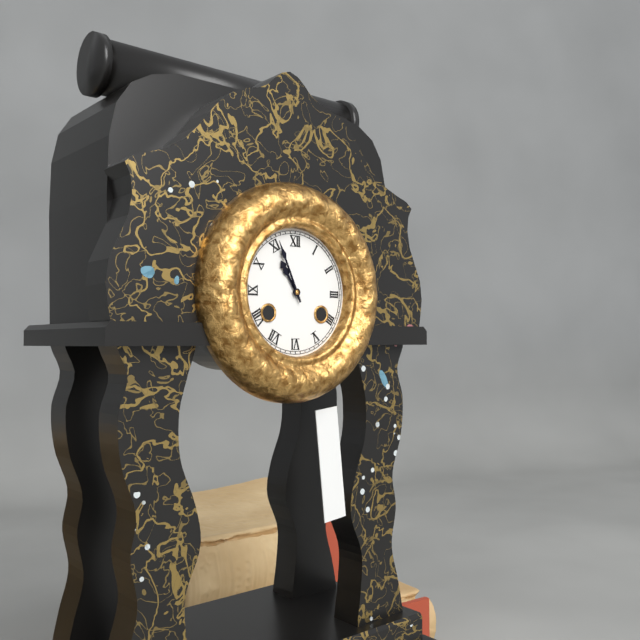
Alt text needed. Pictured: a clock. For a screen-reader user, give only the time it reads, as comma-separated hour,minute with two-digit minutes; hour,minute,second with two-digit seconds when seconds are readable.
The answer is 10,56
